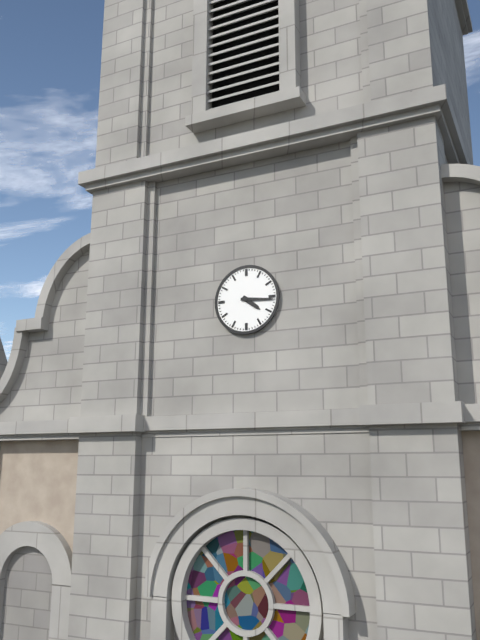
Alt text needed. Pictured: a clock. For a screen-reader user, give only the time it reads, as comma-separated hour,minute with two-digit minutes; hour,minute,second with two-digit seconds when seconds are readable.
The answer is 4,16
